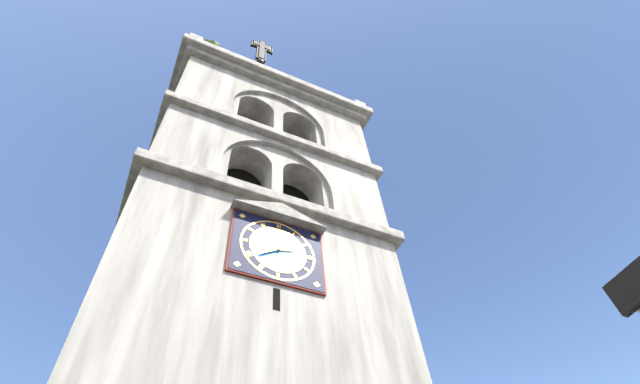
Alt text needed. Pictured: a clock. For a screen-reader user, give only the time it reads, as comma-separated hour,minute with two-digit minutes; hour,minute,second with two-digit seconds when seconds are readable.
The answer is 2,39
